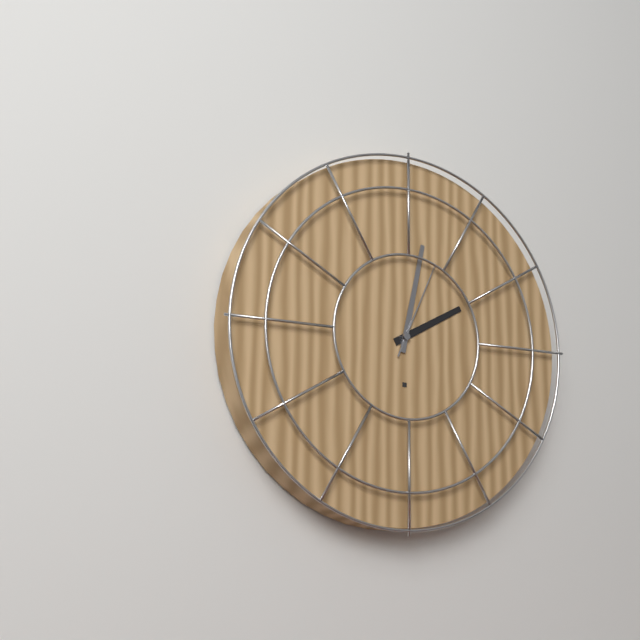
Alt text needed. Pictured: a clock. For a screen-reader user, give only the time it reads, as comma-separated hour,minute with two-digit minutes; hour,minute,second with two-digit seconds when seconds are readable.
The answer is 2,02,04
